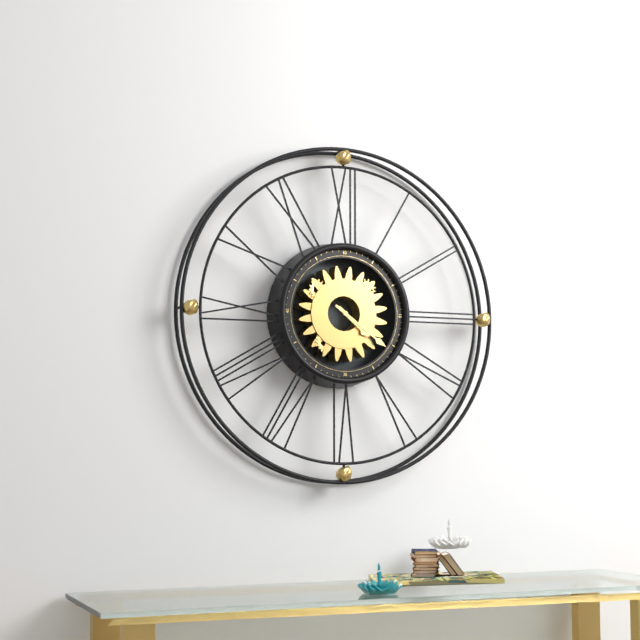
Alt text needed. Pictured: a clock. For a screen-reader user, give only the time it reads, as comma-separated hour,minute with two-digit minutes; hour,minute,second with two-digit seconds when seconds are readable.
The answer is 4,21
